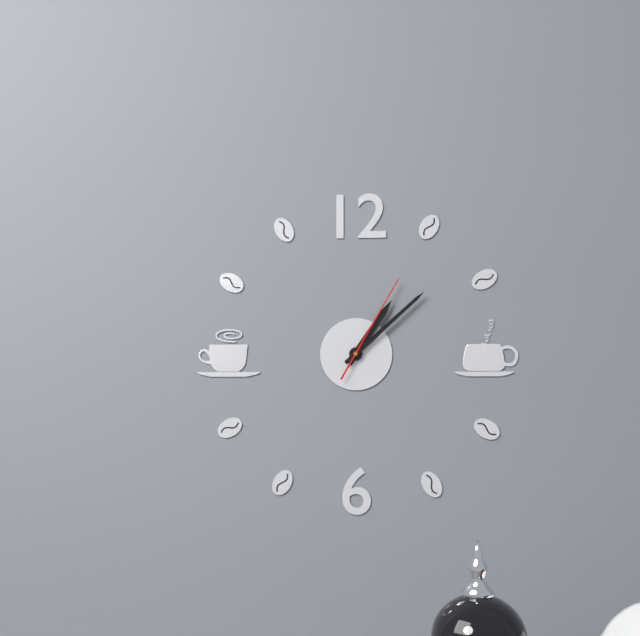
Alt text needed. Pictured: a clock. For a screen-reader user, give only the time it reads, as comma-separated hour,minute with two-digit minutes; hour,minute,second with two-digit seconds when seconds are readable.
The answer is 1,08,05
